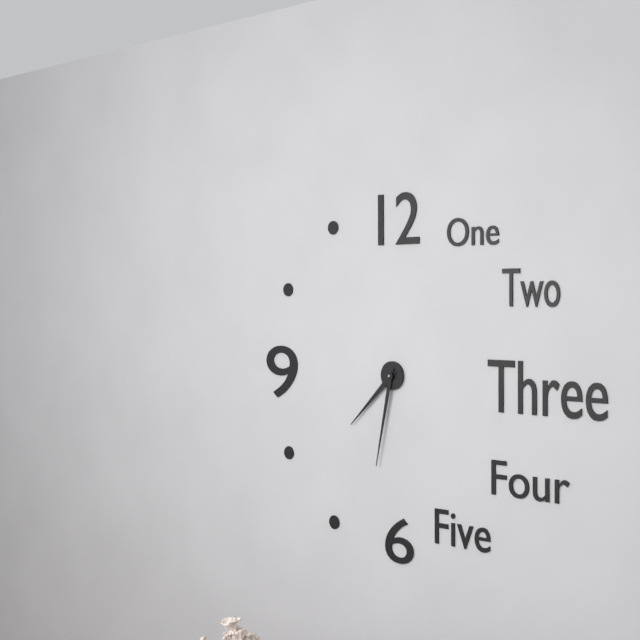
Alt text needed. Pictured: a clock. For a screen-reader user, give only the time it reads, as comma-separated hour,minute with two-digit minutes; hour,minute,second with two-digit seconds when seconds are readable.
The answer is 7,32
